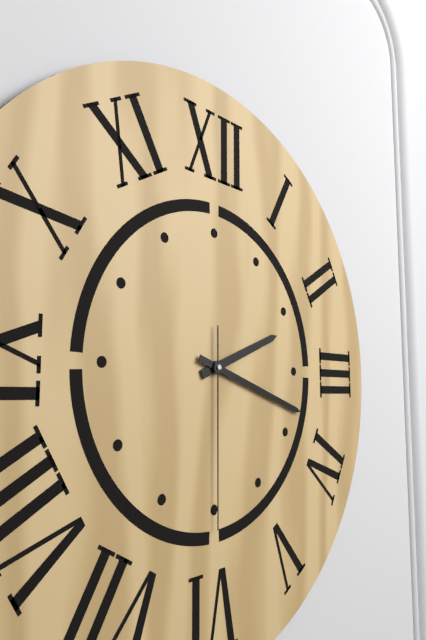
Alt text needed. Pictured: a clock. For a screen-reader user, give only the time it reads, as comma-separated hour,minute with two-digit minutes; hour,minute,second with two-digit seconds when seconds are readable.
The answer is 2,18,30
